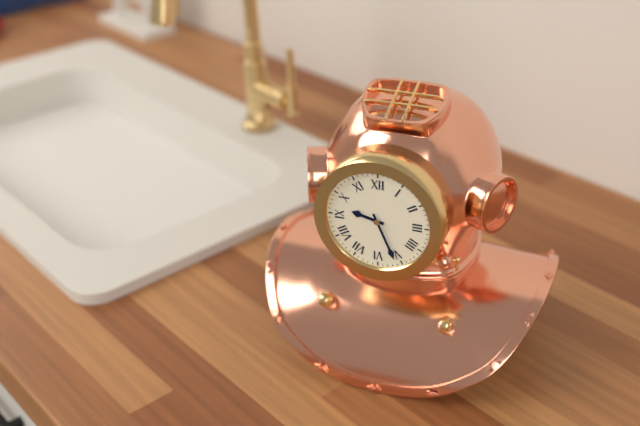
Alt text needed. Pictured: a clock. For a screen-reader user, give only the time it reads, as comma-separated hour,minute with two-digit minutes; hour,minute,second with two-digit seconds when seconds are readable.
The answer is 9,26
